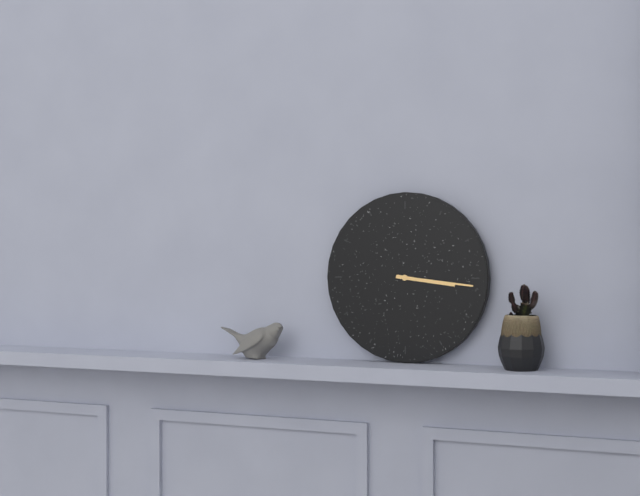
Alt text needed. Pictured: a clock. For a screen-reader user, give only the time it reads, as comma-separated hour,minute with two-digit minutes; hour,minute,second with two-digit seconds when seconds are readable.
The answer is 3,16
